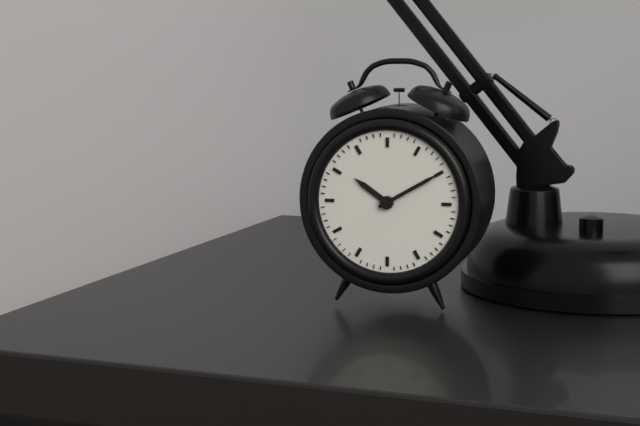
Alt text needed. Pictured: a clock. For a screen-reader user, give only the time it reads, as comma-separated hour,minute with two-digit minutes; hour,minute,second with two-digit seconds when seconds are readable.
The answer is 10,10
